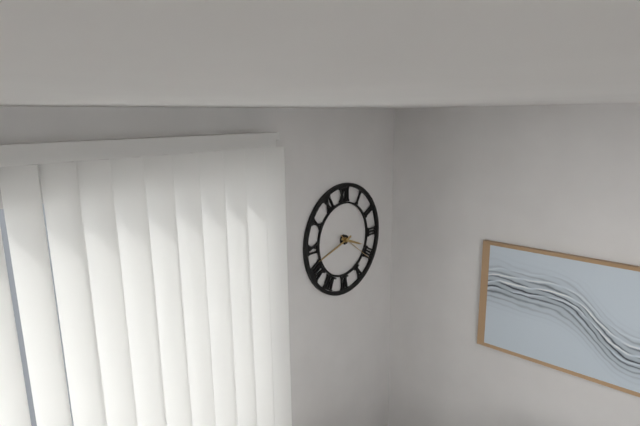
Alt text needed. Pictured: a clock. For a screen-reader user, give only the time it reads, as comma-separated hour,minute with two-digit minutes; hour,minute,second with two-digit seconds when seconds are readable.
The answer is 3,42
